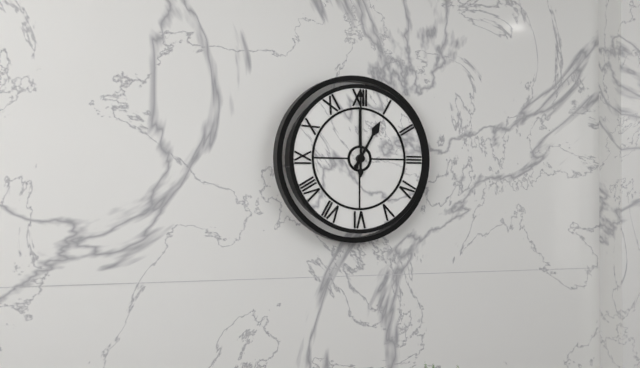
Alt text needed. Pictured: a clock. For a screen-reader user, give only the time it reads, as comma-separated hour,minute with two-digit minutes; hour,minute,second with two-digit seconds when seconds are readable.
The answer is 1,00
